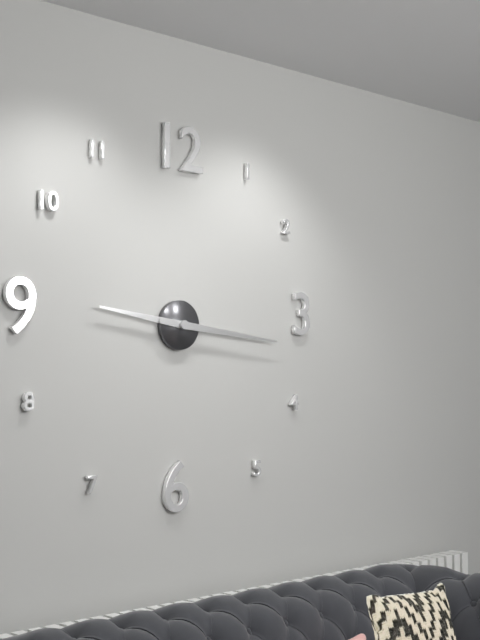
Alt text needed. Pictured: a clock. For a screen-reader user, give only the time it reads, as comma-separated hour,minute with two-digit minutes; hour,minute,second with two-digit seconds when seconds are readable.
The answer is 9,16
